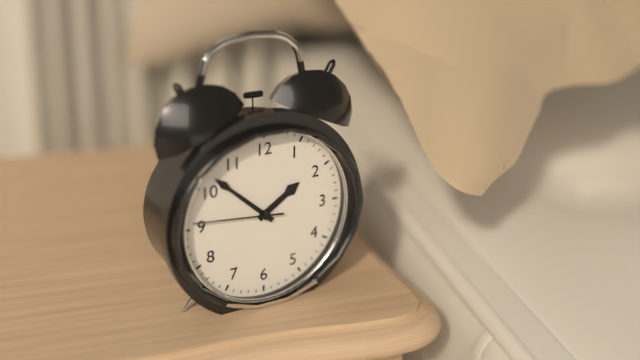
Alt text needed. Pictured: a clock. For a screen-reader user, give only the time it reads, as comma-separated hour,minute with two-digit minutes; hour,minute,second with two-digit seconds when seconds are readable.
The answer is 1,52,46
